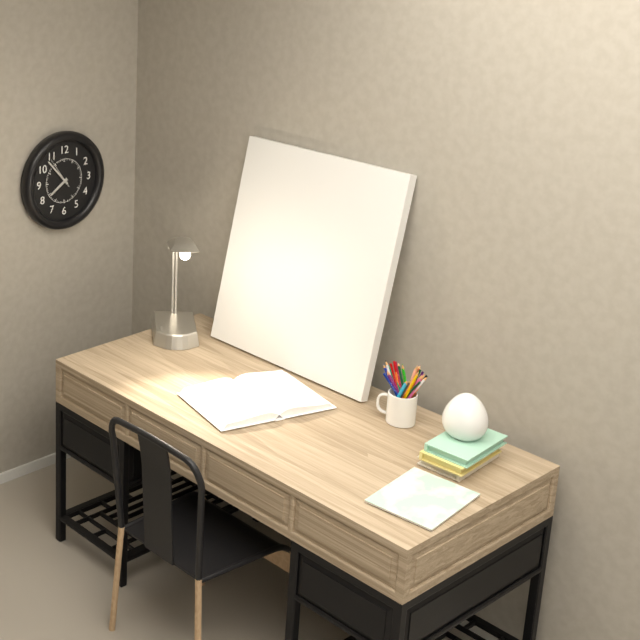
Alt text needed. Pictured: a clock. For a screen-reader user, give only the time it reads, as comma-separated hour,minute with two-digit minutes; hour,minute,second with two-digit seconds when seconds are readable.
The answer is 7,53
